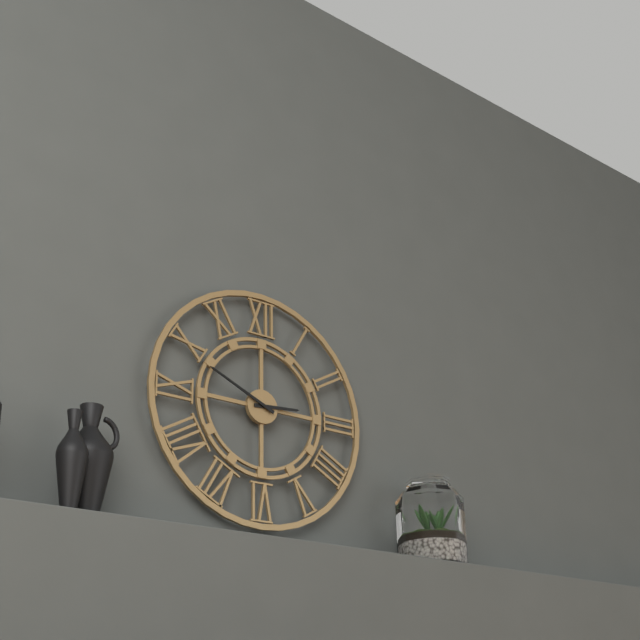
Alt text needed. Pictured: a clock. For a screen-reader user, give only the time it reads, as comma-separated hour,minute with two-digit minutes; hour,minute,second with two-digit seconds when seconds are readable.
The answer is 2,49
